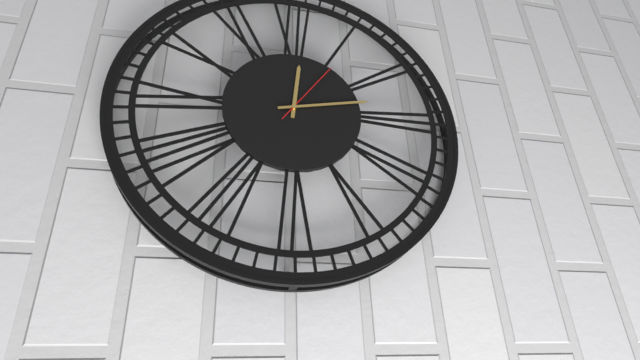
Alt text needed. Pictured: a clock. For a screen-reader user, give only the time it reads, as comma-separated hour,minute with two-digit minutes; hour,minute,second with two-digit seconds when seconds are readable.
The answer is 12,13,06
